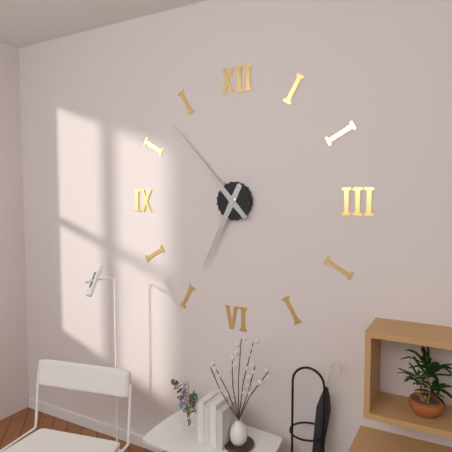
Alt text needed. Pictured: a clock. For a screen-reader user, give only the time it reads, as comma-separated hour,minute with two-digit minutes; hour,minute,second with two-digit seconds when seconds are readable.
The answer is 6,53
